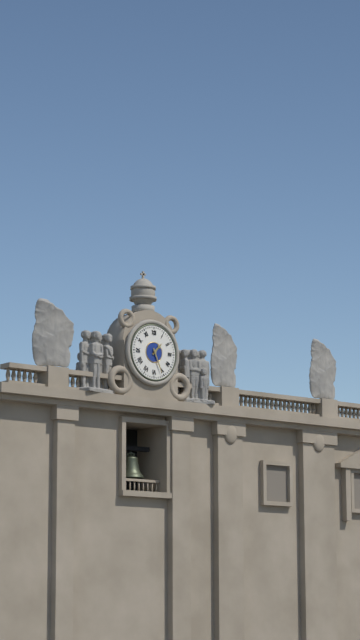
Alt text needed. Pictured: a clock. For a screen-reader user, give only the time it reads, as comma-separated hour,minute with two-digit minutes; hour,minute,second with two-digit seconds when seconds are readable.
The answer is 1,26
